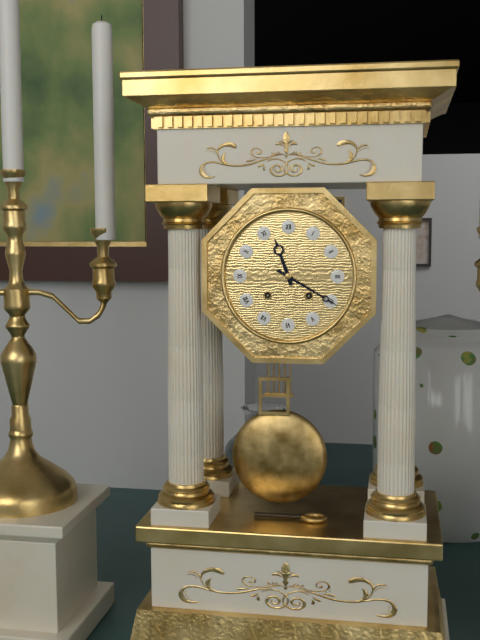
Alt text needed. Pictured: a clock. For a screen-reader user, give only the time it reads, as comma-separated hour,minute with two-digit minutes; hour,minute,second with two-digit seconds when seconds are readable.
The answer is 11,20
